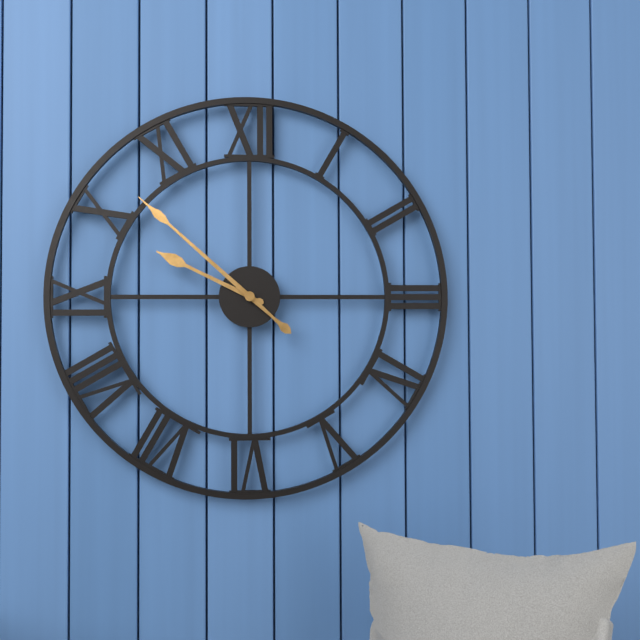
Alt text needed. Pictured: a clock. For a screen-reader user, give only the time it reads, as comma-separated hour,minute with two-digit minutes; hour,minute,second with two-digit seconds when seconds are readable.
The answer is 9,52
